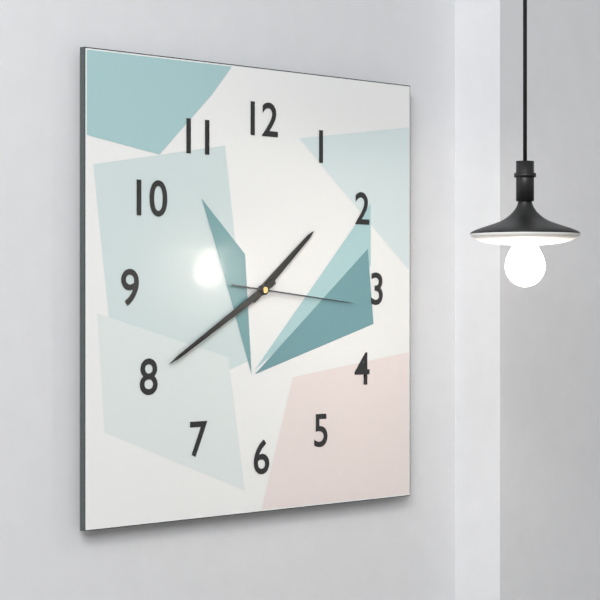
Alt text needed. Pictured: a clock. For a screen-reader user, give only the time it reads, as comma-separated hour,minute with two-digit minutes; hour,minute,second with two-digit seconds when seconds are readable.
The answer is 1,40,16
